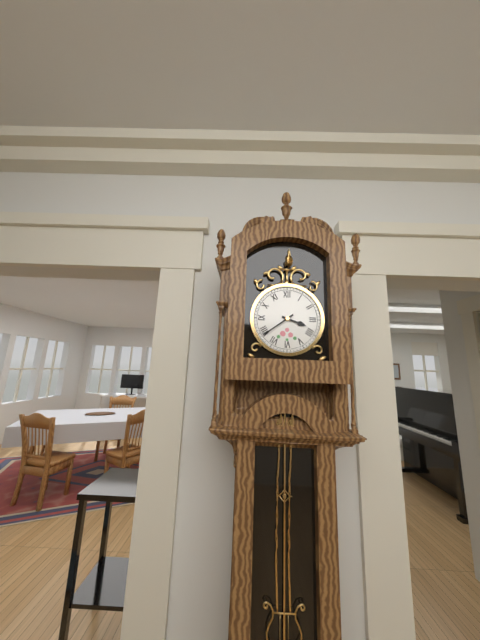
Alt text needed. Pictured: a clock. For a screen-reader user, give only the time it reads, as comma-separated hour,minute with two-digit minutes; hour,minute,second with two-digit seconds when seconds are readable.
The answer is 3,39
